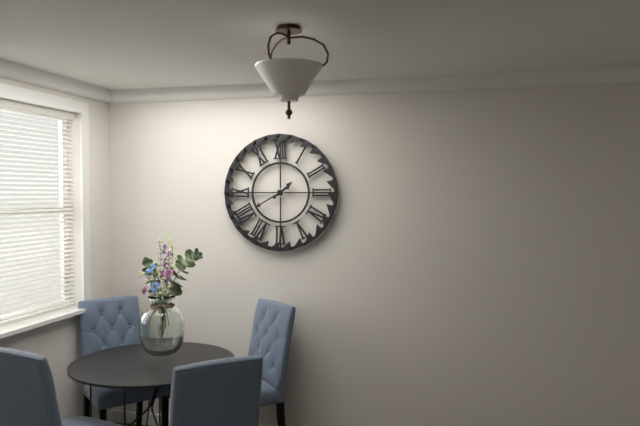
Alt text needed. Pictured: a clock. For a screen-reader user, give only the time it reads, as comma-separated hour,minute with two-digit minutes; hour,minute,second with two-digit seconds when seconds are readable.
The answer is 1,40
